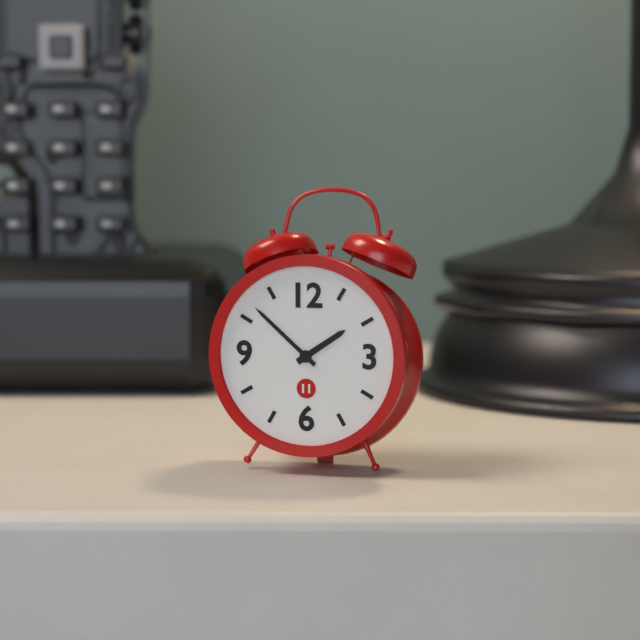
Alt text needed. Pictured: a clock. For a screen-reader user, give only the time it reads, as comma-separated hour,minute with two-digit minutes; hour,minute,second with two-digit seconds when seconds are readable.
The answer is 1,52
